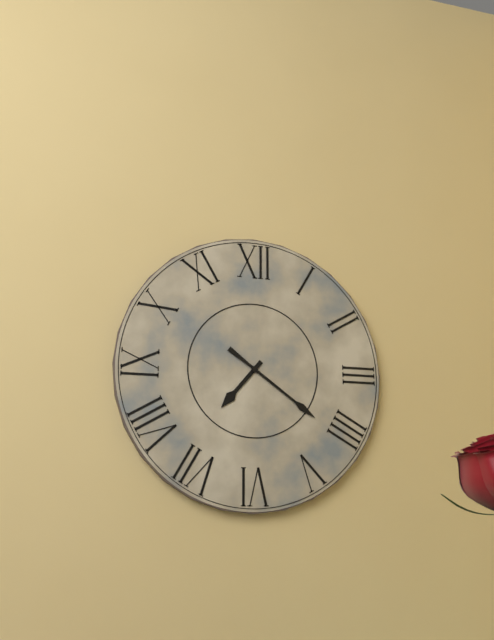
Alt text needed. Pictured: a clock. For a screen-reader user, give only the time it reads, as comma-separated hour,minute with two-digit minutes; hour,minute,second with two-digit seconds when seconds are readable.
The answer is 7,21
